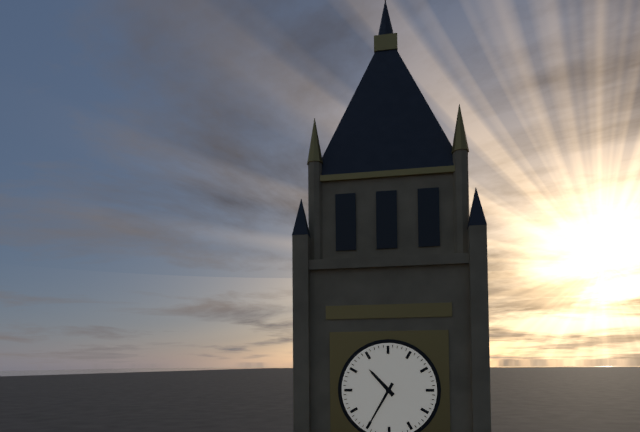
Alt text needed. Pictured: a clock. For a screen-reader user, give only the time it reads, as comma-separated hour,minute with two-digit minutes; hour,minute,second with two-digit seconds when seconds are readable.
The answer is 10,35
